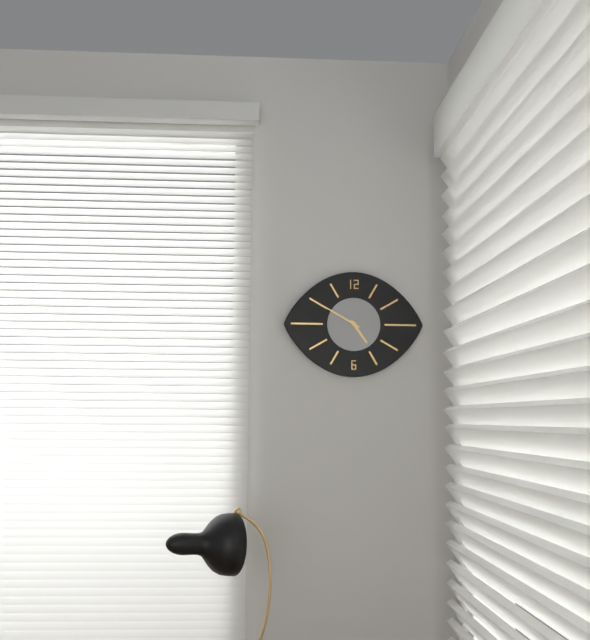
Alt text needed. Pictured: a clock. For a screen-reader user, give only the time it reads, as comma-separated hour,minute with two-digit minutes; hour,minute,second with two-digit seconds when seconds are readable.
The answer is 4,50
